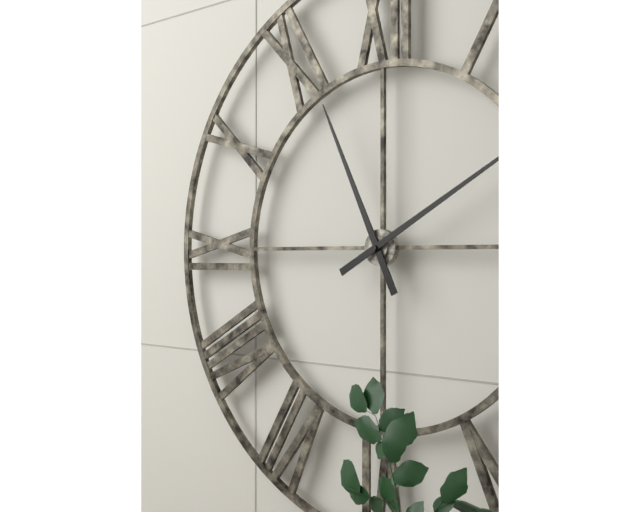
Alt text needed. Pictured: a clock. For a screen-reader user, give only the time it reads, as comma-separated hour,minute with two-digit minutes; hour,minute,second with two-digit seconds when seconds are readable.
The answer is 11,10
